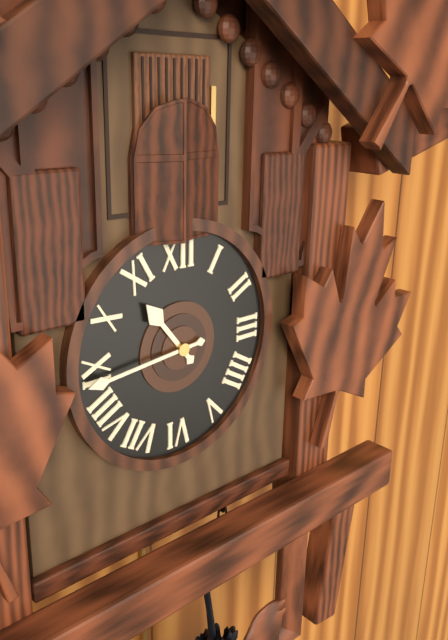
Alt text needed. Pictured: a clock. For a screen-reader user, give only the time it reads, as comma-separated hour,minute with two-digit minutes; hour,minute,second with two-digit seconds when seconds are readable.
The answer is 10,44
